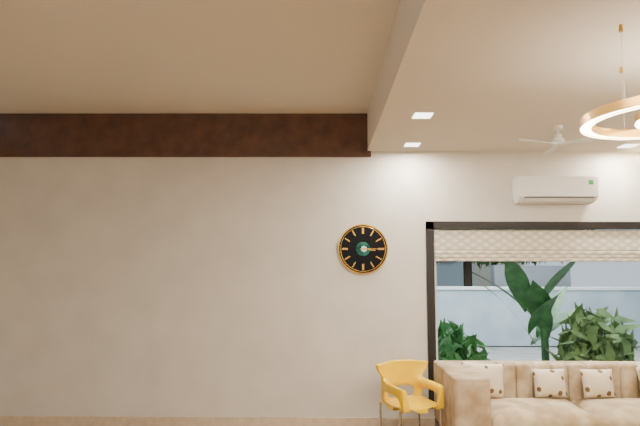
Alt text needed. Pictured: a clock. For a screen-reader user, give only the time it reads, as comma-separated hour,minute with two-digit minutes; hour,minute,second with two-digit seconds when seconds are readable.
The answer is 3,15
